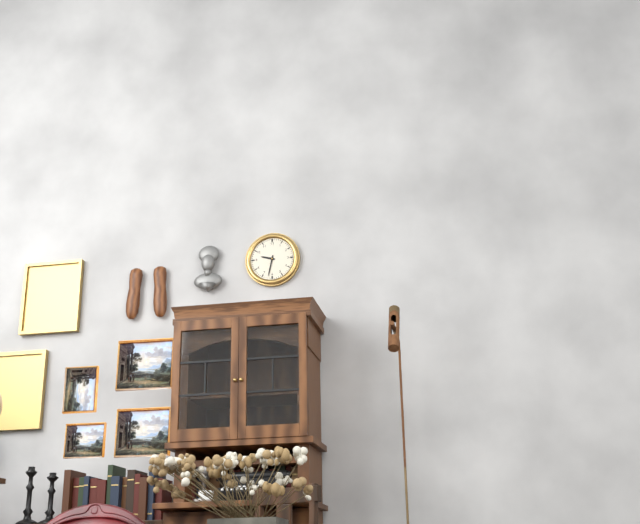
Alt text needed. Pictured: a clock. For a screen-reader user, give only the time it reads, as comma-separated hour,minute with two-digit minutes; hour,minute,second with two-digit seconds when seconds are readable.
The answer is 9,32
